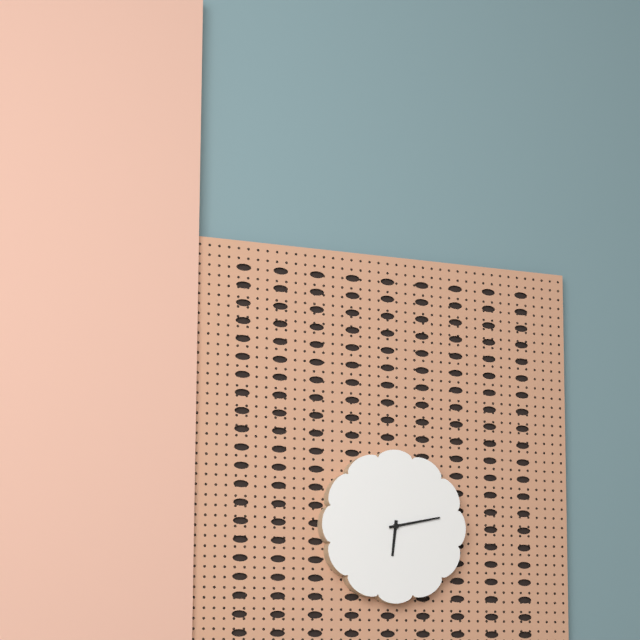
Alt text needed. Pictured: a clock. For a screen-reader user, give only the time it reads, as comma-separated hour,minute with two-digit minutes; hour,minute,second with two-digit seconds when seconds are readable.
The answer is 6,13
